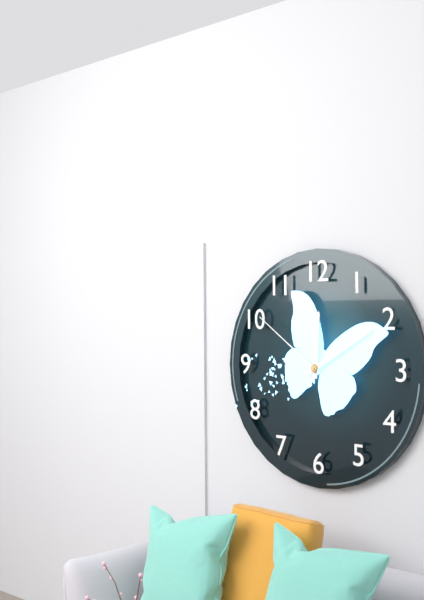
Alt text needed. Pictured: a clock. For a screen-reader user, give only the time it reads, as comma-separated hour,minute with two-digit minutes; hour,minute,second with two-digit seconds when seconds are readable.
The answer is 12,10,51
